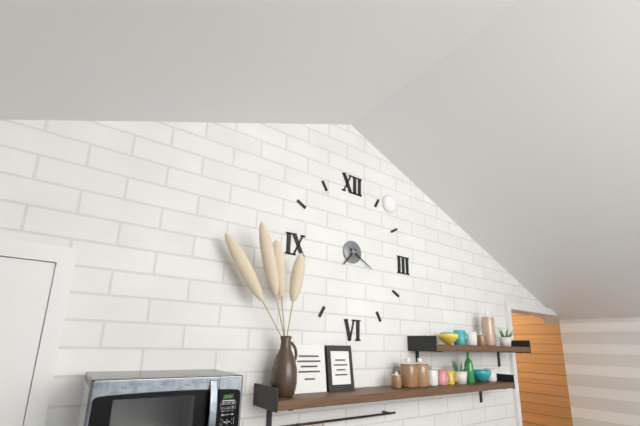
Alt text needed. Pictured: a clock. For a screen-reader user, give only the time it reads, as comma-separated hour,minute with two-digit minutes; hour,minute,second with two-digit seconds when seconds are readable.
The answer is 7,20
